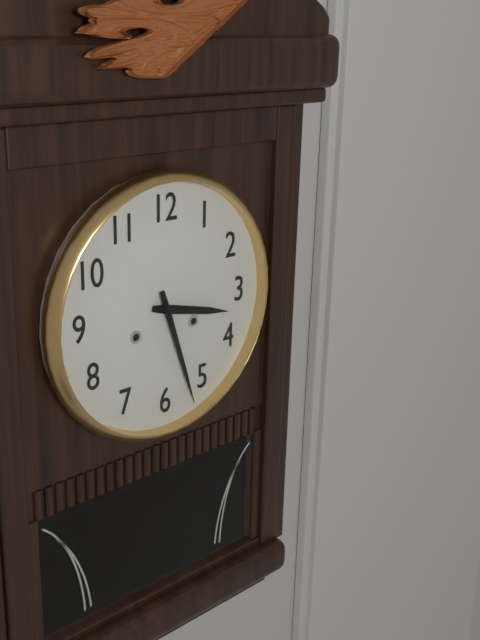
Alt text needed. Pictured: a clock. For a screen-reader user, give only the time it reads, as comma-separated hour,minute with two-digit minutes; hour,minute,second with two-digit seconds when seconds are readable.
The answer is 3,27
